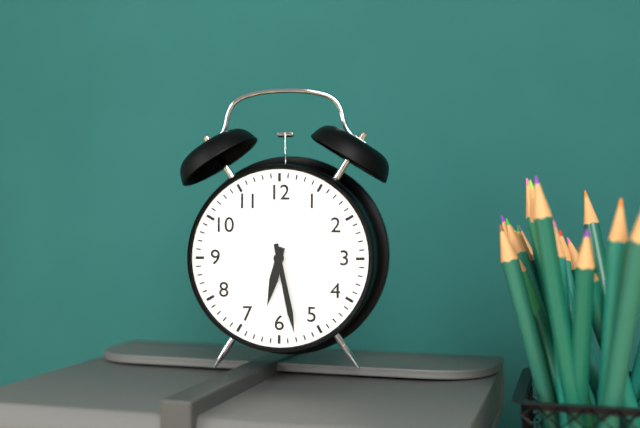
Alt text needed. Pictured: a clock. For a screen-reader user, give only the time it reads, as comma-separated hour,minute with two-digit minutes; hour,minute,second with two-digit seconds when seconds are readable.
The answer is 6,28
